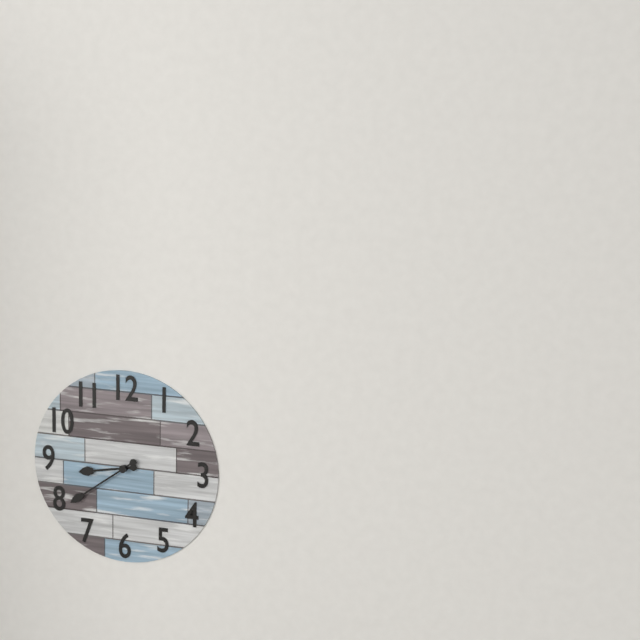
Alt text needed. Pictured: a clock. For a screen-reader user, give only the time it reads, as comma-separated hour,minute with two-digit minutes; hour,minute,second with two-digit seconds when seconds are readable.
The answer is 8,39
